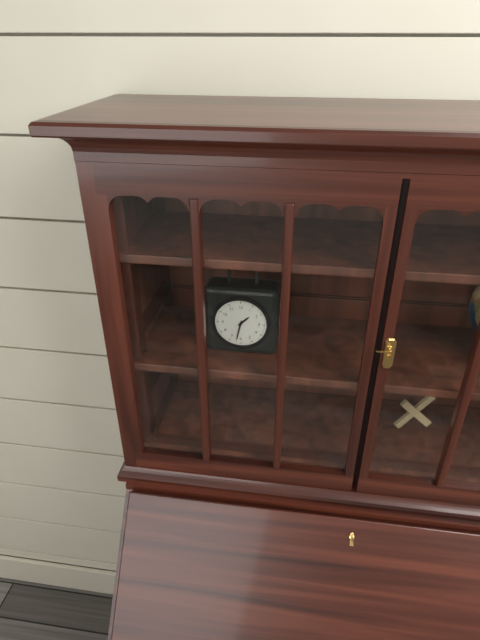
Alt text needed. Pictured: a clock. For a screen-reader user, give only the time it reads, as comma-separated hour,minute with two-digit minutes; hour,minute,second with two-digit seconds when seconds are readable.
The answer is 1,32
